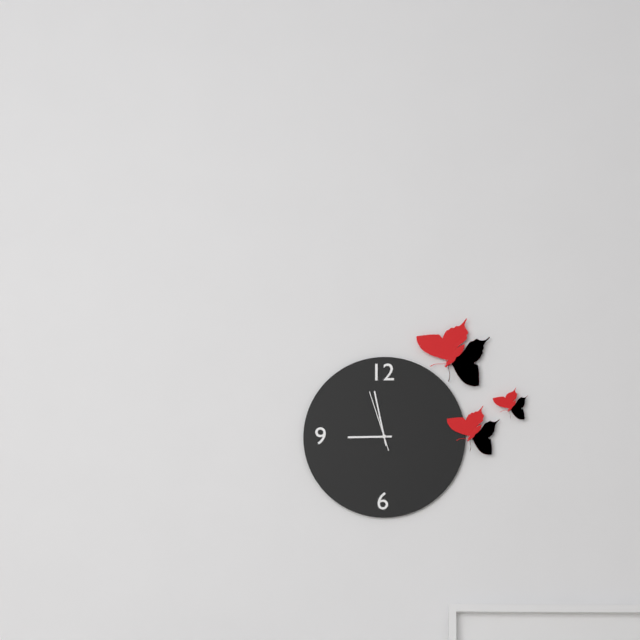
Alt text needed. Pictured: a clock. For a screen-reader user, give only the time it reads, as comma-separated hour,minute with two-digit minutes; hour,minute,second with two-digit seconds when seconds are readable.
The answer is 8,58,57
